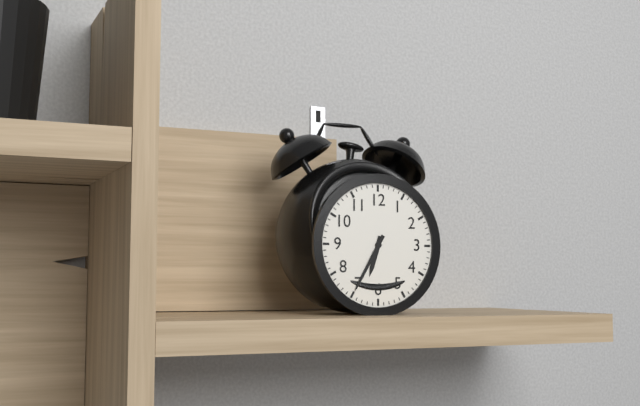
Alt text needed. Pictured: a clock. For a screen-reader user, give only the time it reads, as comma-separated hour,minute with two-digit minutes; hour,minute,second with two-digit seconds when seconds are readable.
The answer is 6,35
